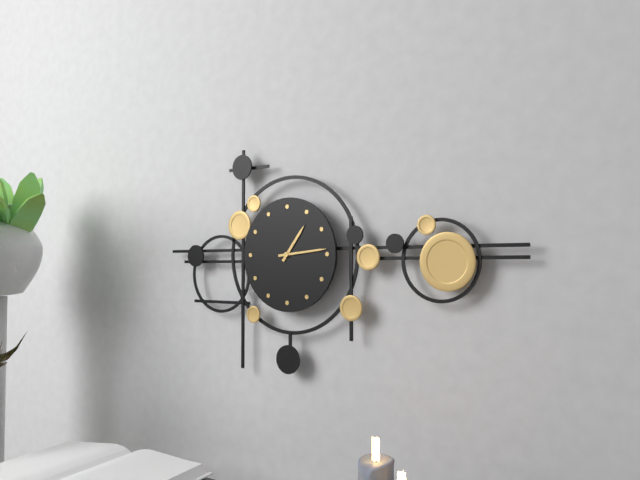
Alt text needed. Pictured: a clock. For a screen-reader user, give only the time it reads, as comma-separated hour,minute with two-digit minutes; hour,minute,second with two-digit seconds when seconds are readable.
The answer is 1,14
